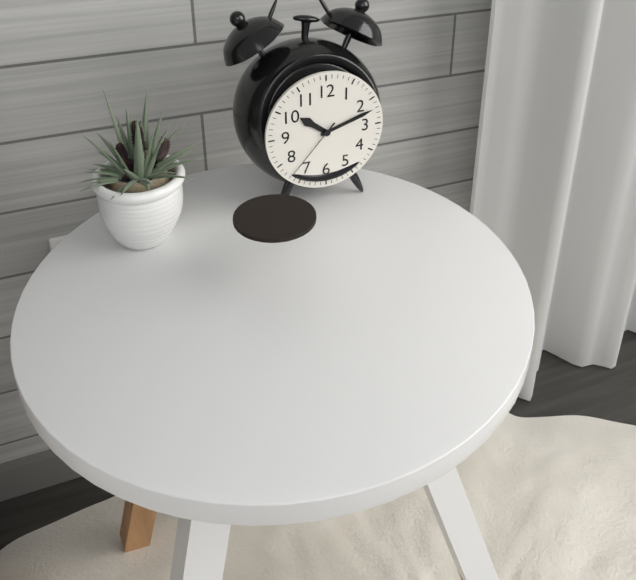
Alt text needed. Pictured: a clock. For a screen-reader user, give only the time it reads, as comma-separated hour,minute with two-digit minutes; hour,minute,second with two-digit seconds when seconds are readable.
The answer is 10,12,37
